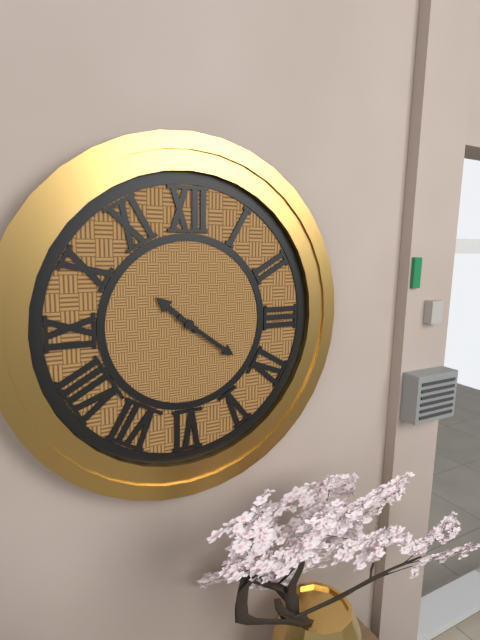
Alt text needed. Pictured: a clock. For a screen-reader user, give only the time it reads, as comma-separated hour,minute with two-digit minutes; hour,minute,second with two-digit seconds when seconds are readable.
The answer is 10,21
